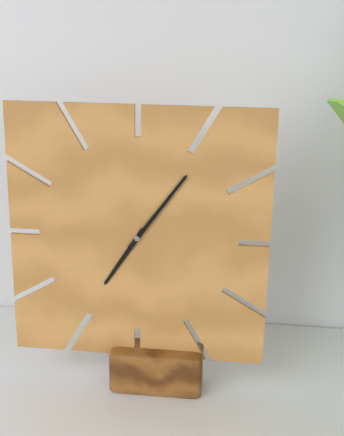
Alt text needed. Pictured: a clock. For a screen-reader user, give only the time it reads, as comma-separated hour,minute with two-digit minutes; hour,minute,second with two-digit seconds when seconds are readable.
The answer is 7,06
